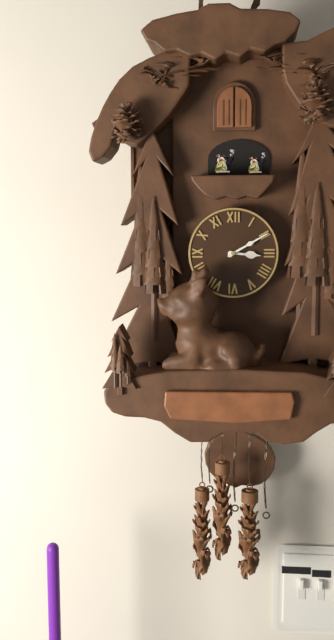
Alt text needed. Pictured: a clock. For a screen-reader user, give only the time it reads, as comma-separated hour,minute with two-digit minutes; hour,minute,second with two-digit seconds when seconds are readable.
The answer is 3,10
